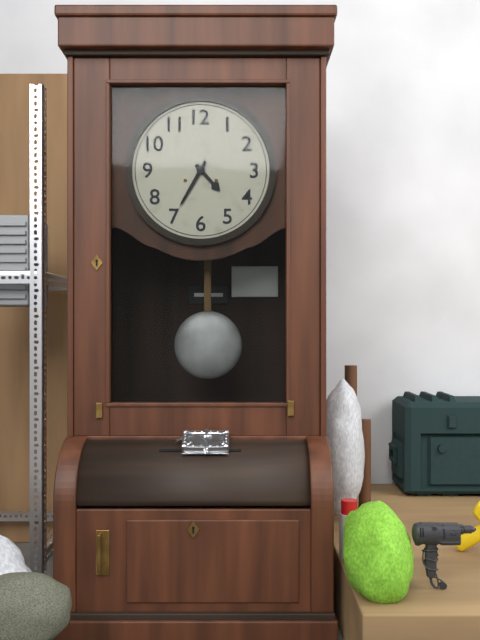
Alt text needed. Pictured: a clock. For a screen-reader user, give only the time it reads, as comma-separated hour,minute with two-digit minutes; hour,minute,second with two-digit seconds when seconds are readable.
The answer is 4,35
